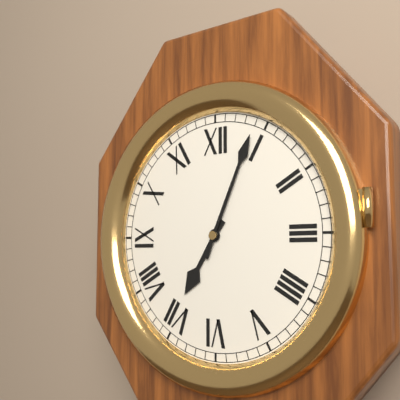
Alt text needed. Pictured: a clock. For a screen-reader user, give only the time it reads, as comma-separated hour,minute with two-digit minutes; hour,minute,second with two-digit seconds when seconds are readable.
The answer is 7,04
